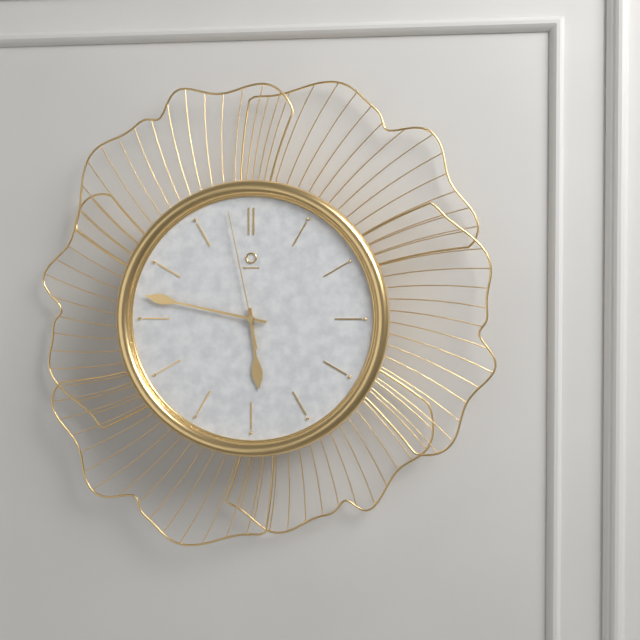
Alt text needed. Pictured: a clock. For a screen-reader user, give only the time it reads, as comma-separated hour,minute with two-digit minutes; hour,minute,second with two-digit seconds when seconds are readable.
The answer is 5,47,58
